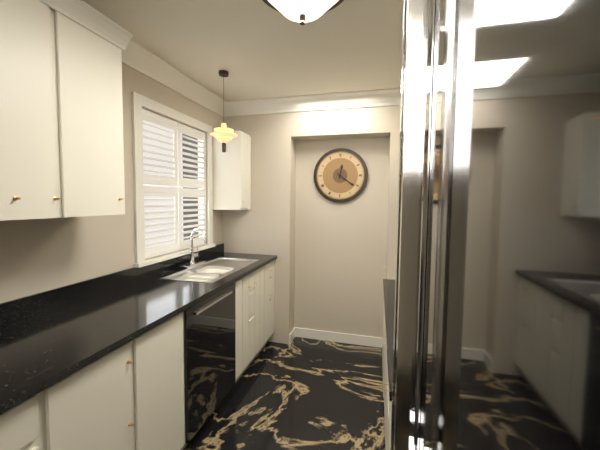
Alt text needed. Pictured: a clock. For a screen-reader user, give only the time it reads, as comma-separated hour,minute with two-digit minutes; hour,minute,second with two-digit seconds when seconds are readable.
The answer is 12,21
